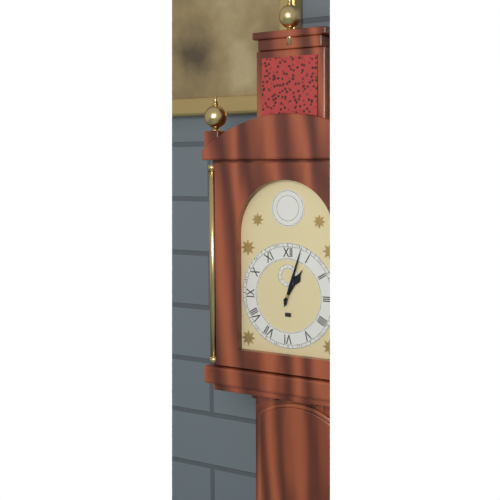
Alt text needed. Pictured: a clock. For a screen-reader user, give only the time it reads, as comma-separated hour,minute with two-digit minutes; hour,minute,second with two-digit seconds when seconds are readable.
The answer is 1,03
